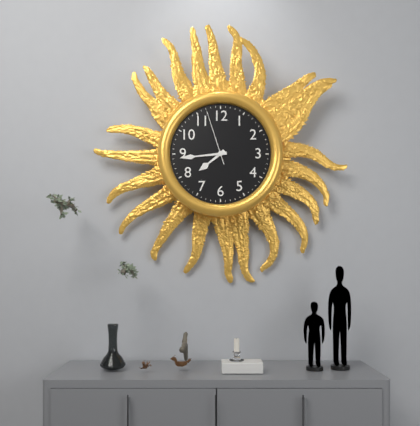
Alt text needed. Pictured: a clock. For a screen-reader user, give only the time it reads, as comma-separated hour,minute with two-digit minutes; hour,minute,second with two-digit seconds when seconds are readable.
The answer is 7,44,57
